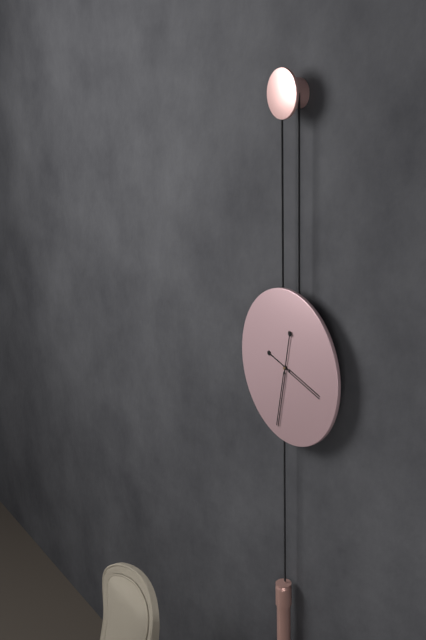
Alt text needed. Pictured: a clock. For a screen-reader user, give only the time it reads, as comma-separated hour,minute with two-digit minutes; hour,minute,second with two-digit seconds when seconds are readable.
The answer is 3,32
